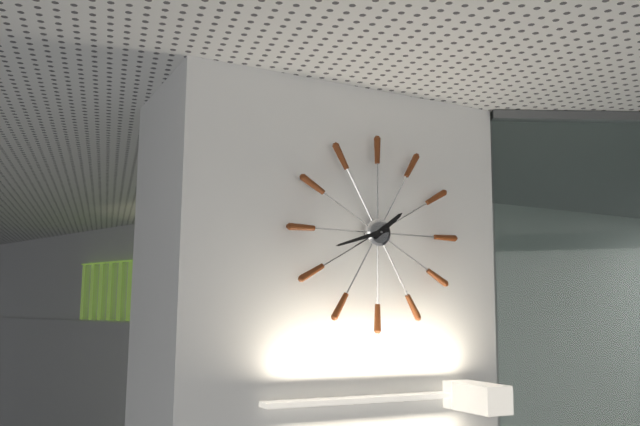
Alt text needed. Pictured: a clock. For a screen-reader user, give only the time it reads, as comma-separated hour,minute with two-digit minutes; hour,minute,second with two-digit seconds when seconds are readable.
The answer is 1,42
